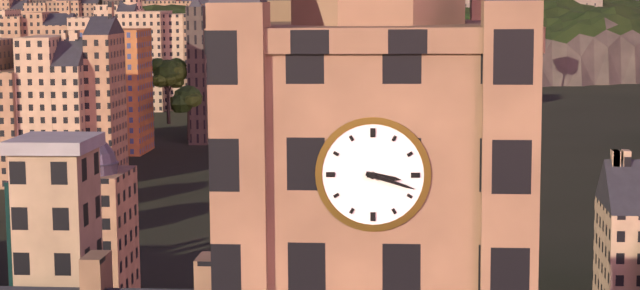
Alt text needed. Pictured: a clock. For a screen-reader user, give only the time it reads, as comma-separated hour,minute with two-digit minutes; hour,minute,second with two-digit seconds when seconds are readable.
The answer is 3,18
